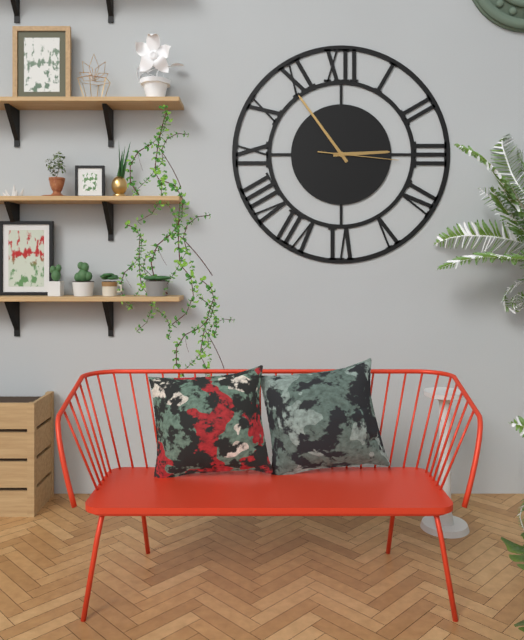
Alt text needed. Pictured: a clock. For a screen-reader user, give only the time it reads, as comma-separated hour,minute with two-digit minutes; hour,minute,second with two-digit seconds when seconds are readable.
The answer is 2,54,16
